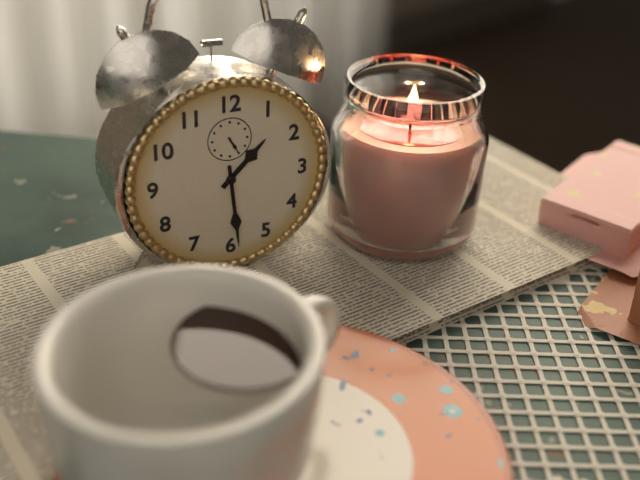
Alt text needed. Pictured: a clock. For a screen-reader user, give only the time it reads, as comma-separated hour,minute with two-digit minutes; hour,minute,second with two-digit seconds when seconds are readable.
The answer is 1,29
